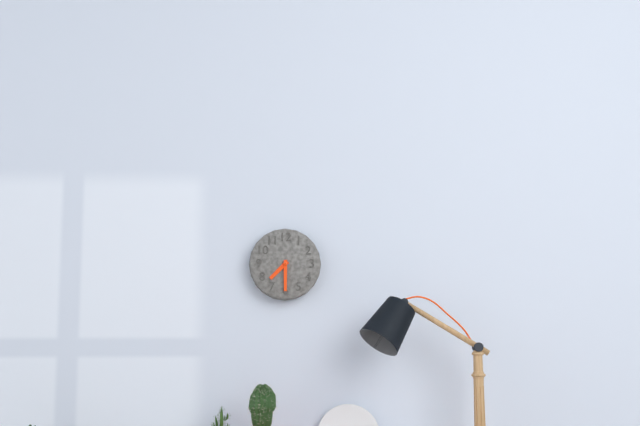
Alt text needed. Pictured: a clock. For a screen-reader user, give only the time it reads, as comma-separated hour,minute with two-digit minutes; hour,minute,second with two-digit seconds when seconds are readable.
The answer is 7,30
